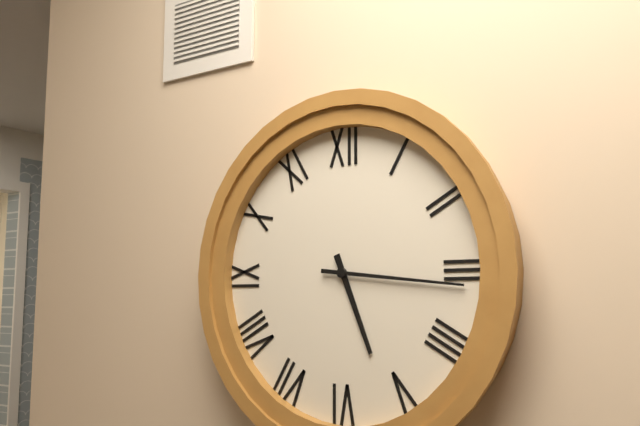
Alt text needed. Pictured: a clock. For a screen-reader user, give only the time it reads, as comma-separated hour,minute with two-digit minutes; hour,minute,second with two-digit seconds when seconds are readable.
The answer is 5,16
